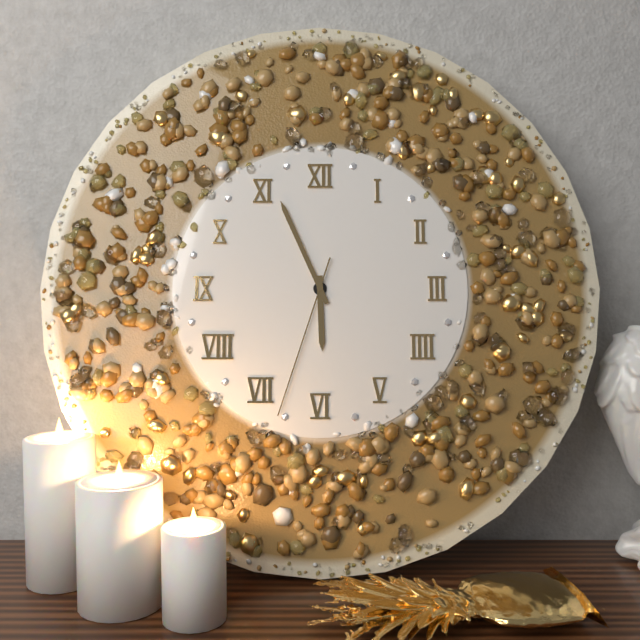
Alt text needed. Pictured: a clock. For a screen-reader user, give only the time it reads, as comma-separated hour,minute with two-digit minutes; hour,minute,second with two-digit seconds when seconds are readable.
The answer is 5,56,33
